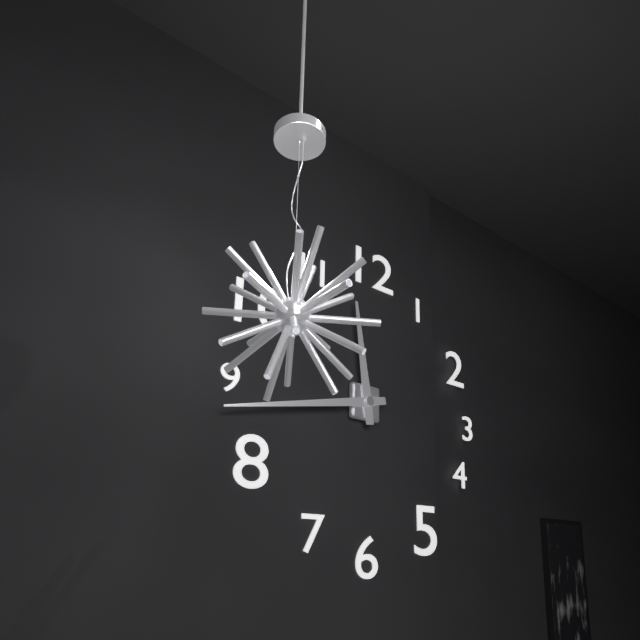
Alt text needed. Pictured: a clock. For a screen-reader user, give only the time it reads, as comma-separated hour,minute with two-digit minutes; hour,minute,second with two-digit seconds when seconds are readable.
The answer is 11,43
